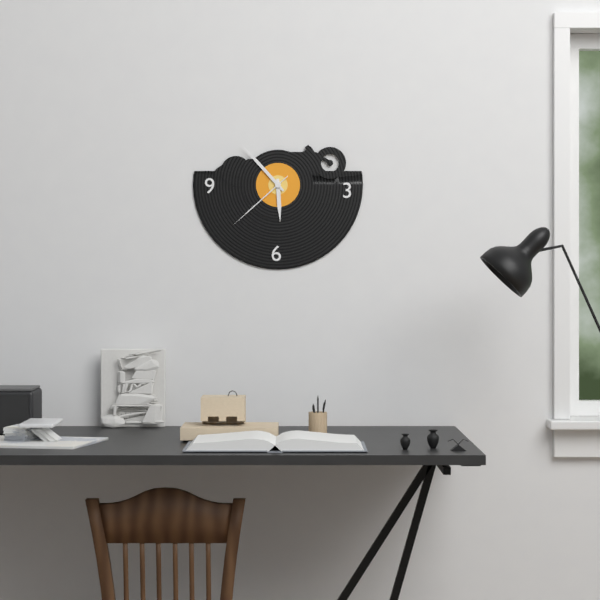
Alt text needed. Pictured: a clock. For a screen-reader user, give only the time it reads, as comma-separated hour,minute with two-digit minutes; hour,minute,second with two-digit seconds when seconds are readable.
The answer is 5,53,38
